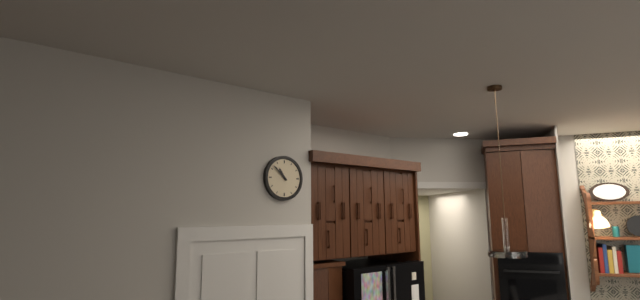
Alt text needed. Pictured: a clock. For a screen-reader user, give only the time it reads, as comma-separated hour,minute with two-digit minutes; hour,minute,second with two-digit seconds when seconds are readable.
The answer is 10,52
